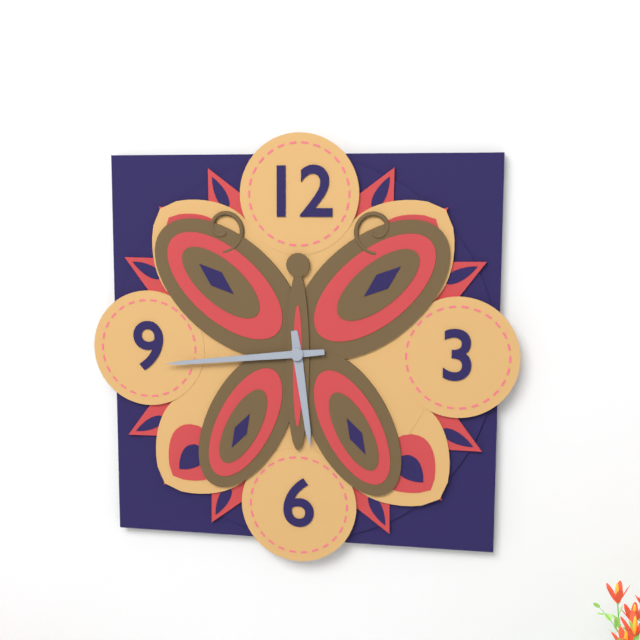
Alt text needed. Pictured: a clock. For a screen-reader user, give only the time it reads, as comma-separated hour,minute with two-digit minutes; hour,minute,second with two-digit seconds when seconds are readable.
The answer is 5,44
